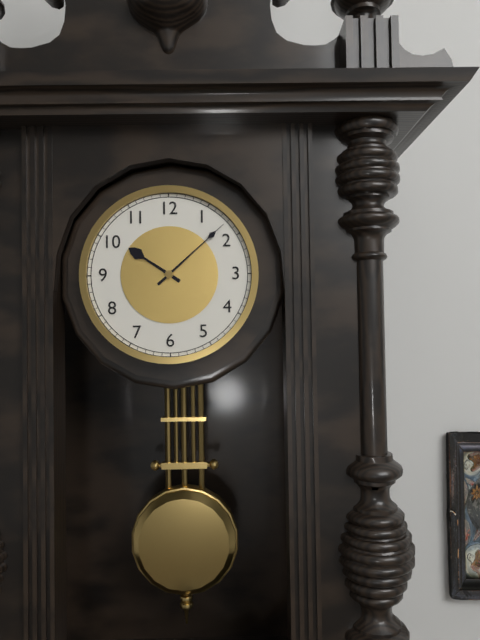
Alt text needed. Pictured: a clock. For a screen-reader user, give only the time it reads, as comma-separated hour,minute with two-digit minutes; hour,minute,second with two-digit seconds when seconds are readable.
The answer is 10,08
